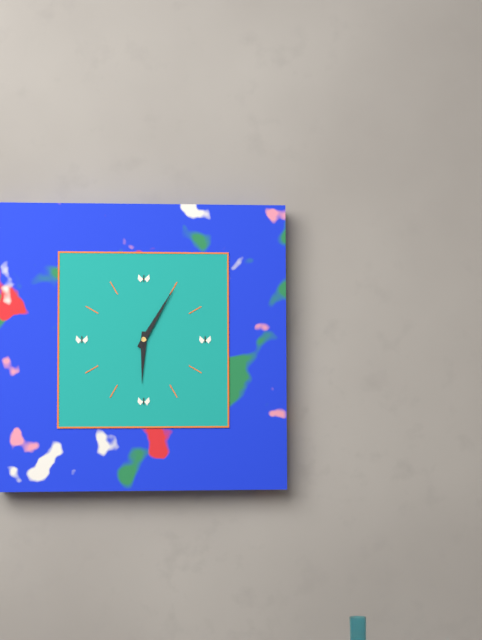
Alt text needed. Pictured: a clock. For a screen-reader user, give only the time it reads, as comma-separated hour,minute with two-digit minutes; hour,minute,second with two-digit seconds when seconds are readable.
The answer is 6,05
